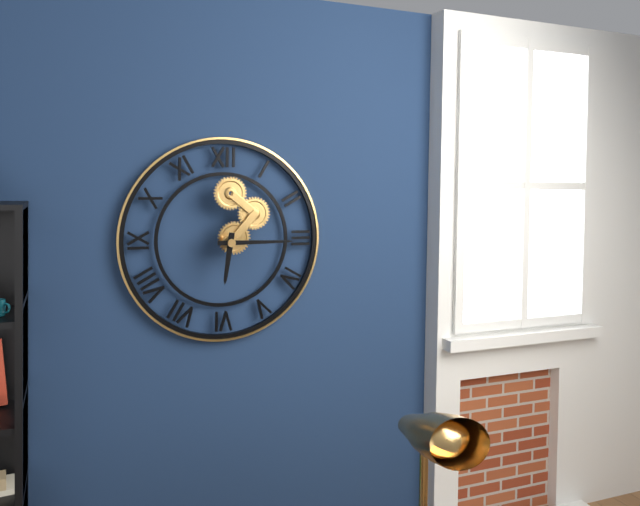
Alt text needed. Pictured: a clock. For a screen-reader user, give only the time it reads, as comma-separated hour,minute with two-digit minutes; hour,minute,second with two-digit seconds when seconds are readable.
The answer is 6,15
